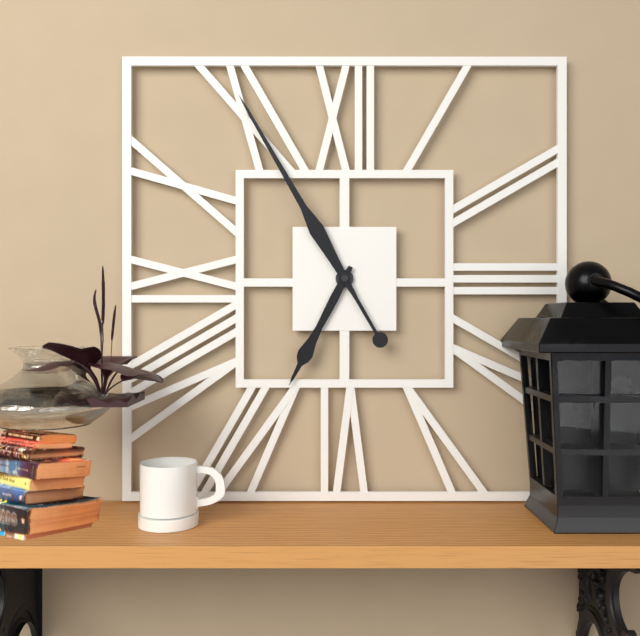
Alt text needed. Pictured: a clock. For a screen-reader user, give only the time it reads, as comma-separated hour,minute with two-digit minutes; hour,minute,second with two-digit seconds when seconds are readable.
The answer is 6,55
